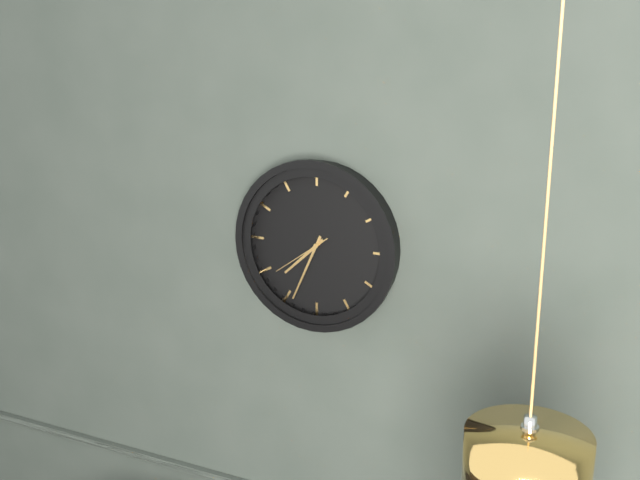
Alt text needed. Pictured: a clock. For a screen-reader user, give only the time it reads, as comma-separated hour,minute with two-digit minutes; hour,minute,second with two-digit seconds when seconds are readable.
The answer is 7,34,39
